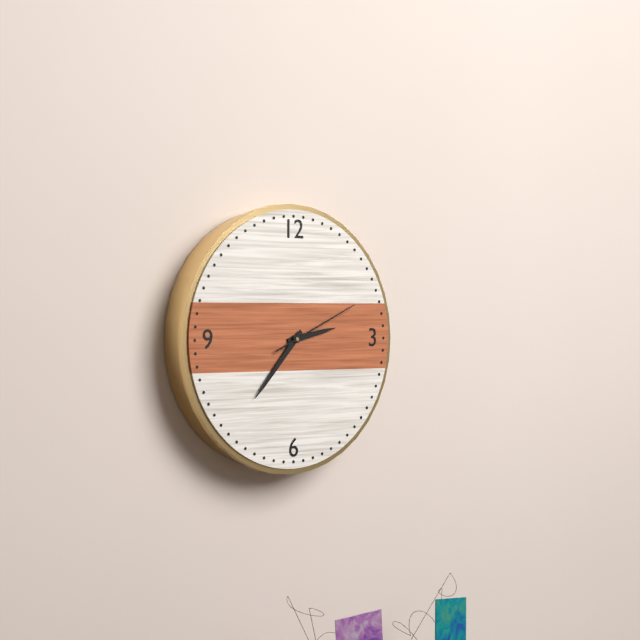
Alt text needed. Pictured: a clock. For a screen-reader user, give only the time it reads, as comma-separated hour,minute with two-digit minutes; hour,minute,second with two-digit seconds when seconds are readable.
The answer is 2,37,11
